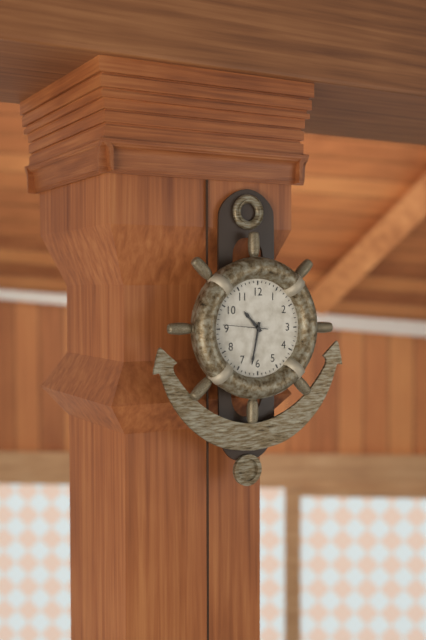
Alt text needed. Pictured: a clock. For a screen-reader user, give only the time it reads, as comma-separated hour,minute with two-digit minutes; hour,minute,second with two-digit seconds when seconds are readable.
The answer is 10,32
